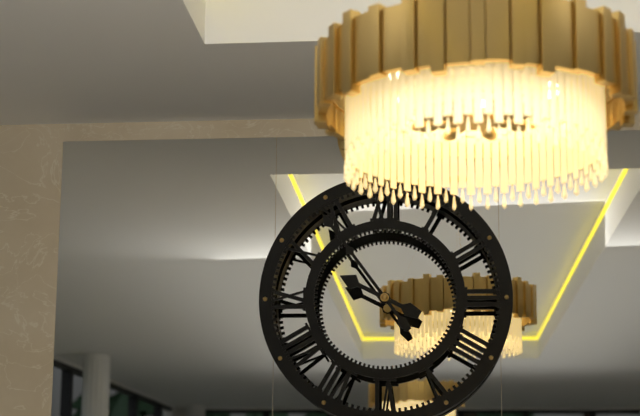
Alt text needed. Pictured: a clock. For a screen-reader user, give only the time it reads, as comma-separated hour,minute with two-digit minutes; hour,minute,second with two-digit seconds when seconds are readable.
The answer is 9,54
